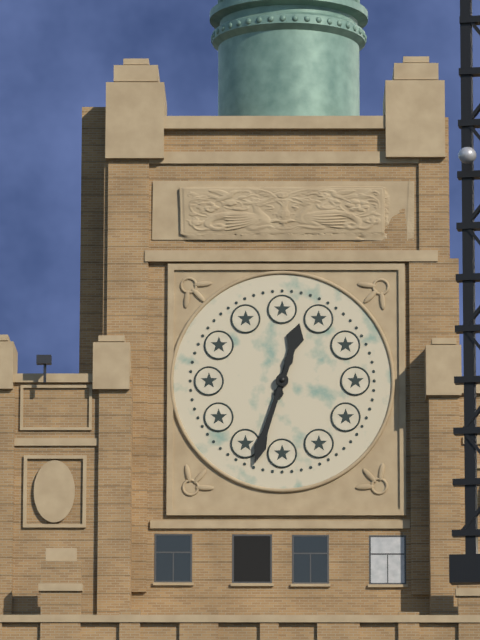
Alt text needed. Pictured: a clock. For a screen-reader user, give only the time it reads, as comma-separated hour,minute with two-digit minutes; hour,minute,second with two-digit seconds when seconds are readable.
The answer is 12,33
